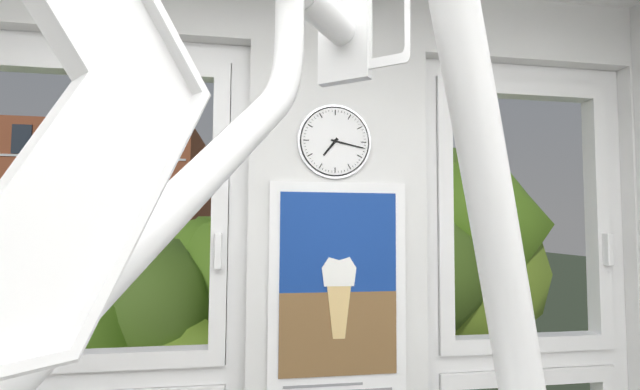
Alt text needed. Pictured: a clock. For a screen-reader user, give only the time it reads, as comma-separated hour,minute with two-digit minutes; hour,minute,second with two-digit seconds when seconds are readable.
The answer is 7,17
